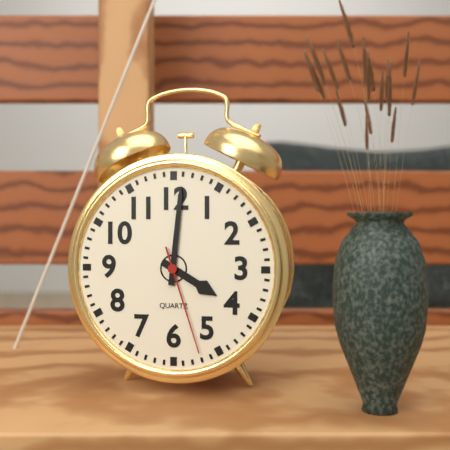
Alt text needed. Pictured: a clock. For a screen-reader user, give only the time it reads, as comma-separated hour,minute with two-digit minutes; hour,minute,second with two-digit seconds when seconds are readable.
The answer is 4,01,27
